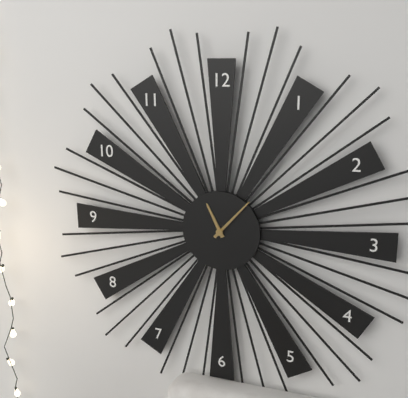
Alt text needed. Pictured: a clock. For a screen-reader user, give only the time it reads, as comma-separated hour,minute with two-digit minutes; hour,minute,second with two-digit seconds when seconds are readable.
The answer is 11,07
